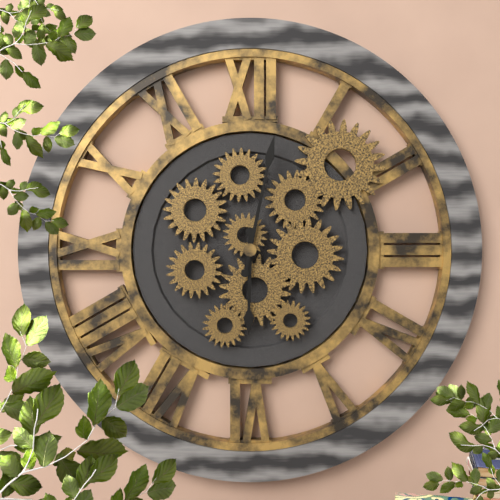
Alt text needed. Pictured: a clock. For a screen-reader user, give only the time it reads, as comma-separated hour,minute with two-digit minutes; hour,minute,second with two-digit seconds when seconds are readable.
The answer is 6,02
